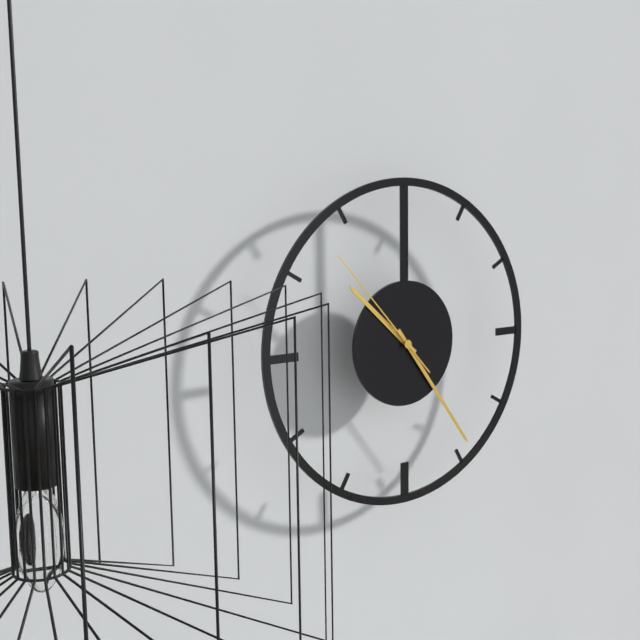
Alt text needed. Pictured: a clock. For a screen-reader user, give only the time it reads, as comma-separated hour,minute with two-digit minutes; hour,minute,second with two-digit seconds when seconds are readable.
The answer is 10,24,53
